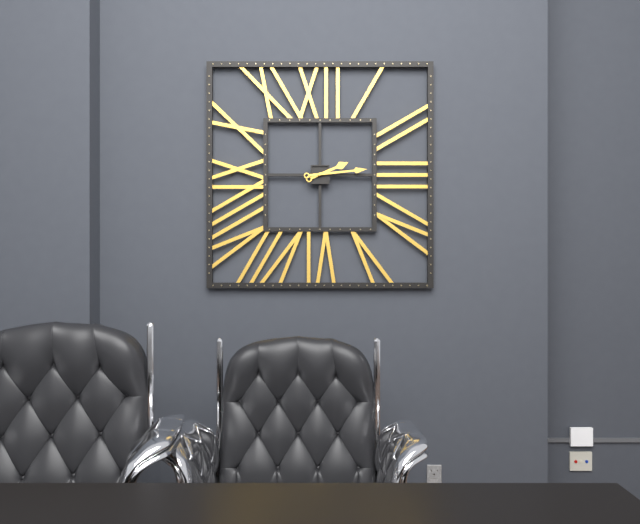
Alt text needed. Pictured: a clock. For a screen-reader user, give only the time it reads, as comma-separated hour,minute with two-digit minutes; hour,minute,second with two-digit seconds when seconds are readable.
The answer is 2,14
